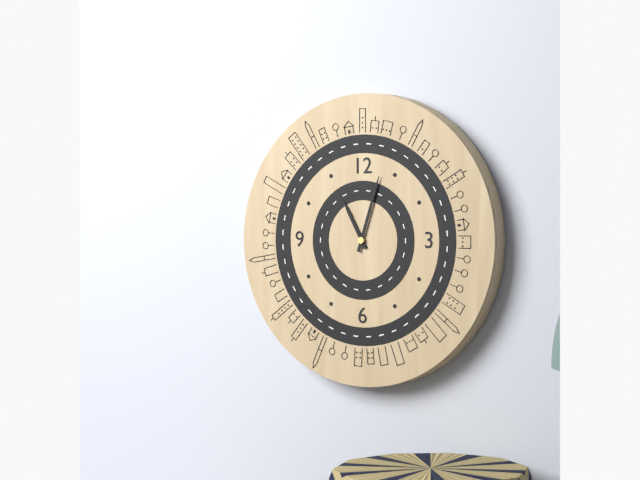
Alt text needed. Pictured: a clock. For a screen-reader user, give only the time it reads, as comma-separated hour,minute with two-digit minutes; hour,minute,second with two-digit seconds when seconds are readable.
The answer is 11,03
